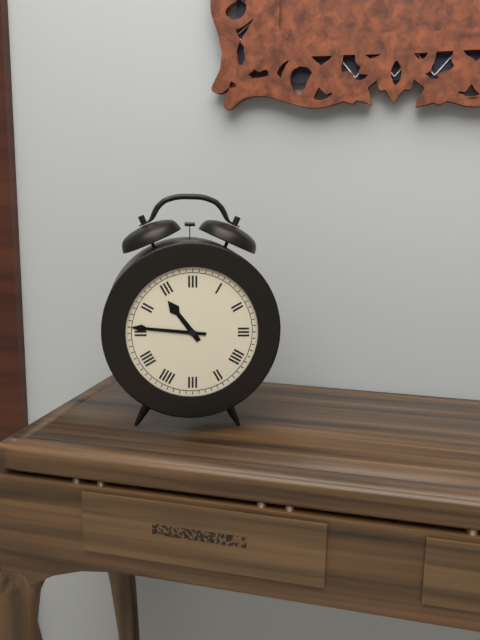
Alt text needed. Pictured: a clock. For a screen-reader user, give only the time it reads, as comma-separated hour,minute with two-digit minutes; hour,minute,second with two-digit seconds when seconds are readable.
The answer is 10,46
